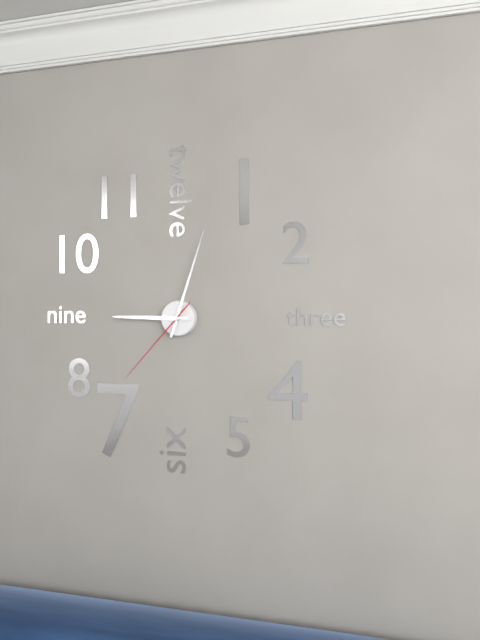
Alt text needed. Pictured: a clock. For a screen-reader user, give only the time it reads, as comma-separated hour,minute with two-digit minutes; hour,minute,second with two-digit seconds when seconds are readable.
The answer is 9,03,37
